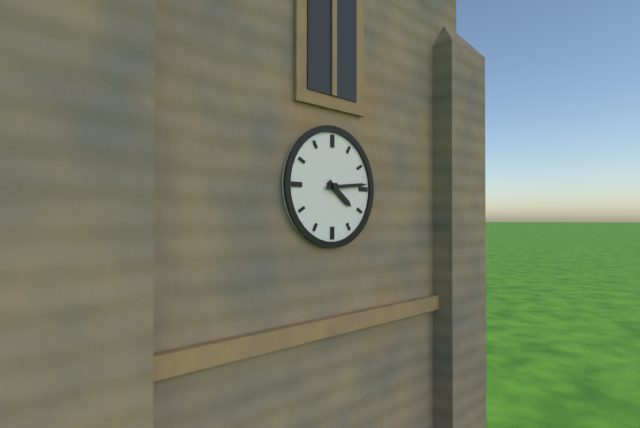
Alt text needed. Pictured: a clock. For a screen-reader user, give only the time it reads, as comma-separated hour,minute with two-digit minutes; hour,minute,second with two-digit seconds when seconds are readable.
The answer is 4,14
